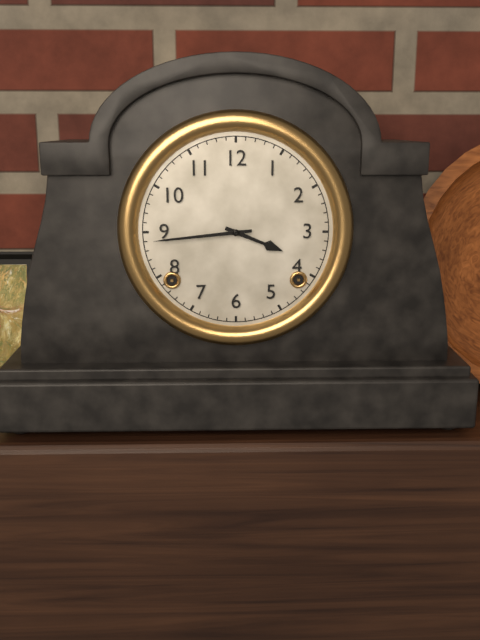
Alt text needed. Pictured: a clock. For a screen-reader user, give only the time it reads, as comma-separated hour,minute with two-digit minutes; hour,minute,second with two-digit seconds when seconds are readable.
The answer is 3,44
